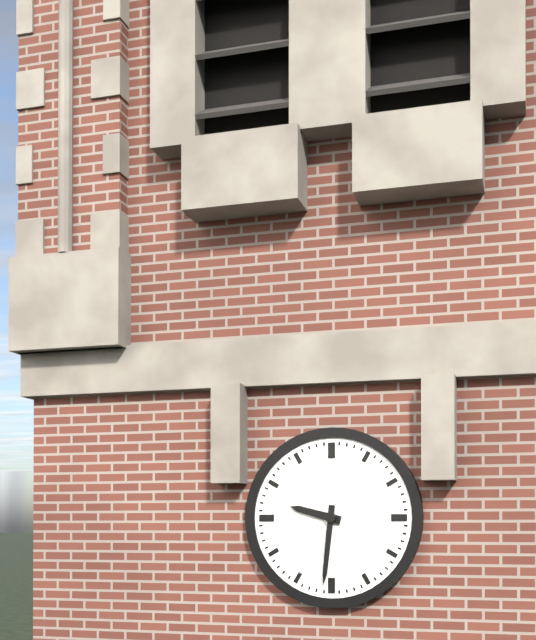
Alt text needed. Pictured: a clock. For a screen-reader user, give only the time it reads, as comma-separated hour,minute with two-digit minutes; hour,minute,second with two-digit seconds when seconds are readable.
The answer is 9,31
